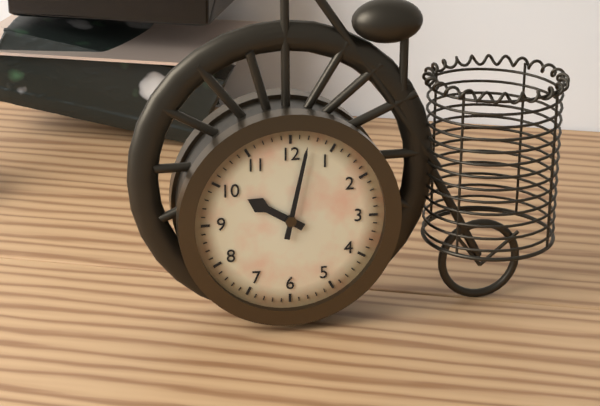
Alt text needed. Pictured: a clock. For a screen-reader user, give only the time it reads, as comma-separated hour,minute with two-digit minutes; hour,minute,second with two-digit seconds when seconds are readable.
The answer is 10,02
